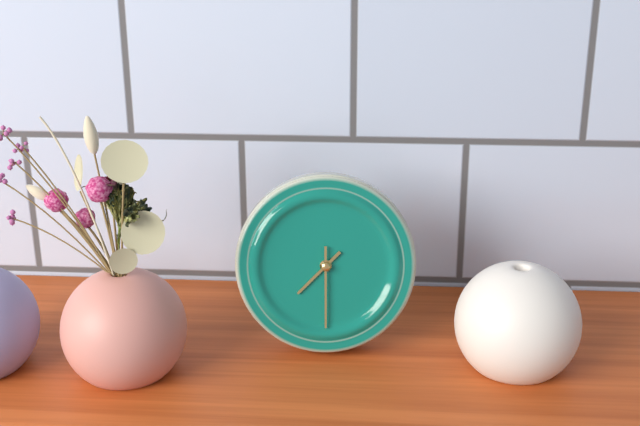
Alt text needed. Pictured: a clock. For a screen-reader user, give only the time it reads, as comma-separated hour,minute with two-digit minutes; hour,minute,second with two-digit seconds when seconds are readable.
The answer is 7,30
